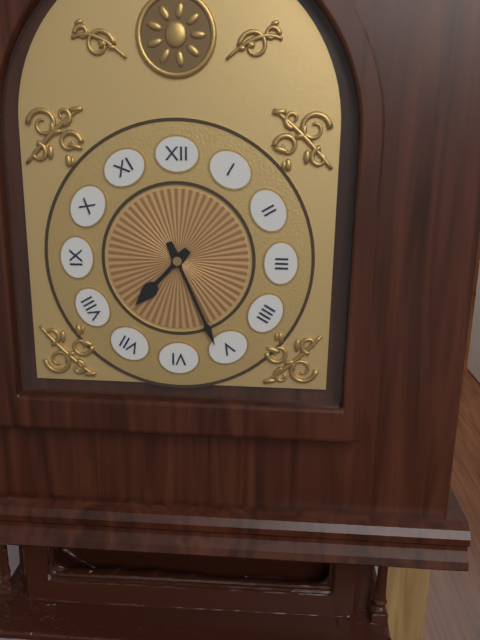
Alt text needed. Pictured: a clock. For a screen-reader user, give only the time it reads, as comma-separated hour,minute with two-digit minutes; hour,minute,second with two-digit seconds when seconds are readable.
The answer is 7,26
